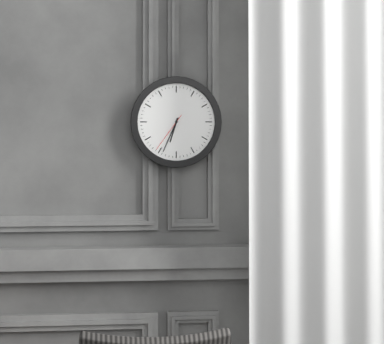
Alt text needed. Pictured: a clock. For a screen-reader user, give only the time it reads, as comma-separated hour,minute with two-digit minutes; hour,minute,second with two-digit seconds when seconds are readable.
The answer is 6,34
